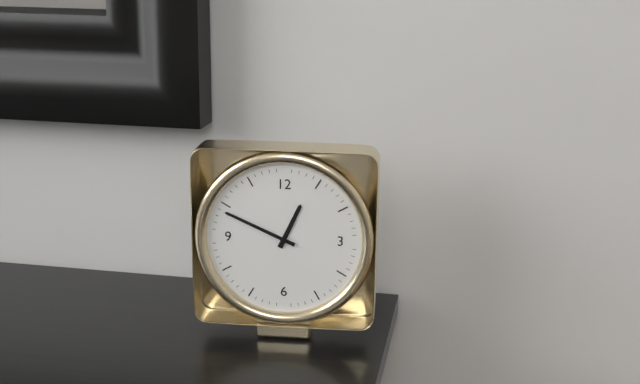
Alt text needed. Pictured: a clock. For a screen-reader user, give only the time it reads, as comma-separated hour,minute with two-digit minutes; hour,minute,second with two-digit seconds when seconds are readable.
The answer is 12,49
